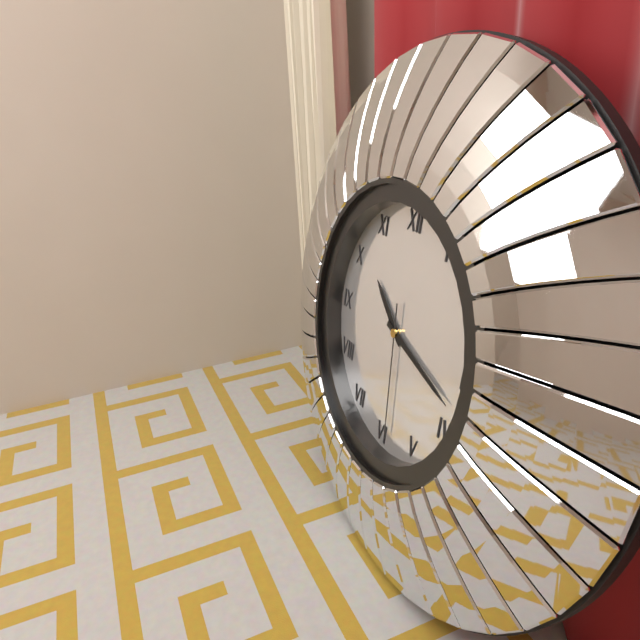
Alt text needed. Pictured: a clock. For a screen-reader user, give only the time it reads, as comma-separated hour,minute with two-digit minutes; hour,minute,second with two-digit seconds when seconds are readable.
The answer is 10,18,29
